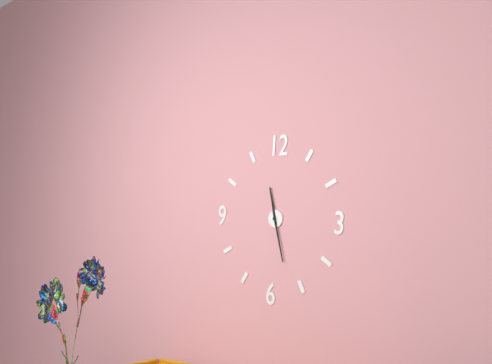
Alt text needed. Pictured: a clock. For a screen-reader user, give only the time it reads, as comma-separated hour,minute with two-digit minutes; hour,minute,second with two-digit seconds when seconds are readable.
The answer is 11,27
